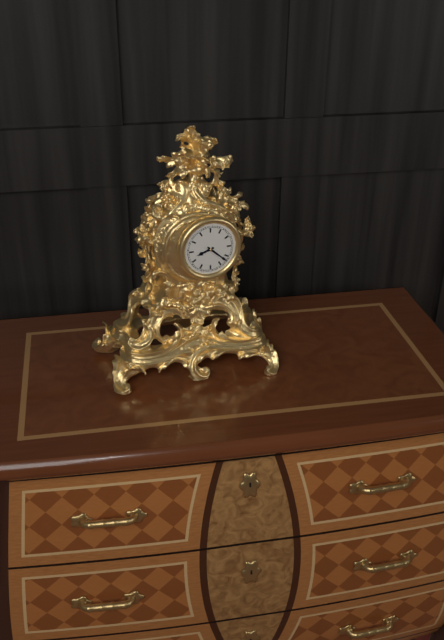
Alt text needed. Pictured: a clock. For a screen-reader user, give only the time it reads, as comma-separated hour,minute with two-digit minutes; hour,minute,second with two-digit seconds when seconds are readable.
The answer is 8,22
